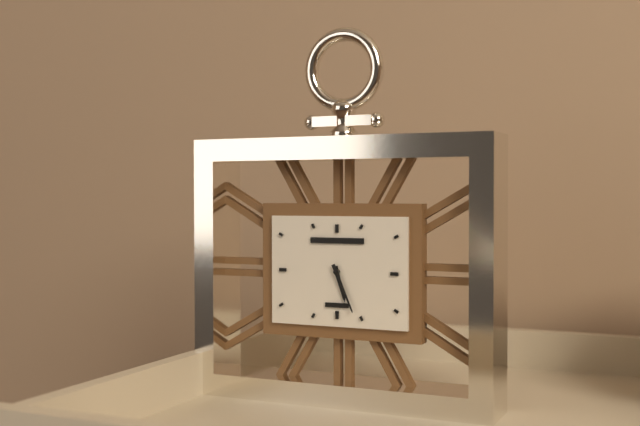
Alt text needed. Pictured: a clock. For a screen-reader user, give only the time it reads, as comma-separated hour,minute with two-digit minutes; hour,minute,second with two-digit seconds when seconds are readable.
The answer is 5,26
